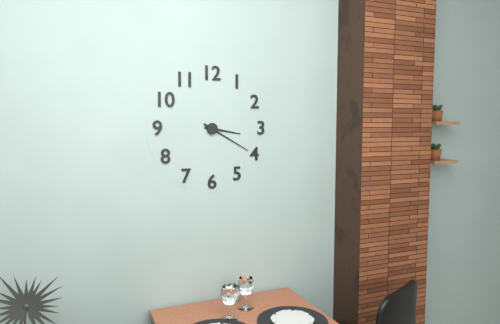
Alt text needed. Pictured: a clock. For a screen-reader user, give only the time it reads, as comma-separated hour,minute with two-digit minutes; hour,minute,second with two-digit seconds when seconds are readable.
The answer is 3,20
